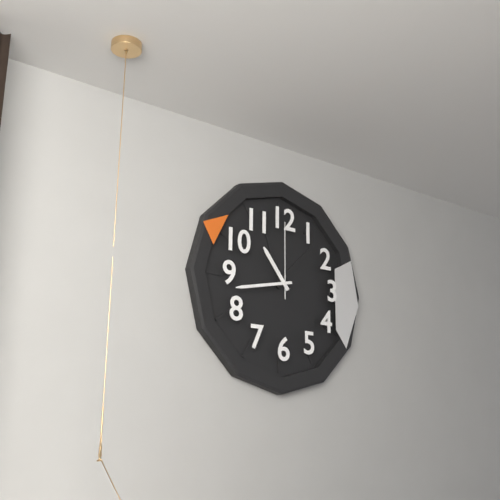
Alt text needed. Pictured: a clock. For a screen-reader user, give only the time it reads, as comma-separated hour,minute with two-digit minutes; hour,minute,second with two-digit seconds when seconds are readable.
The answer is 10,43,00
